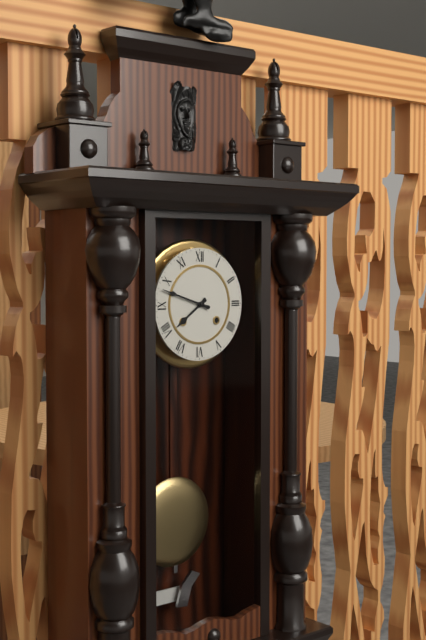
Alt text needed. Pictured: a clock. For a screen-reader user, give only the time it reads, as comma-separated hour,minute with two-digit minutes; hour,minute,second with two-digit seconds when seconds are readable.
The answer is 7,48
